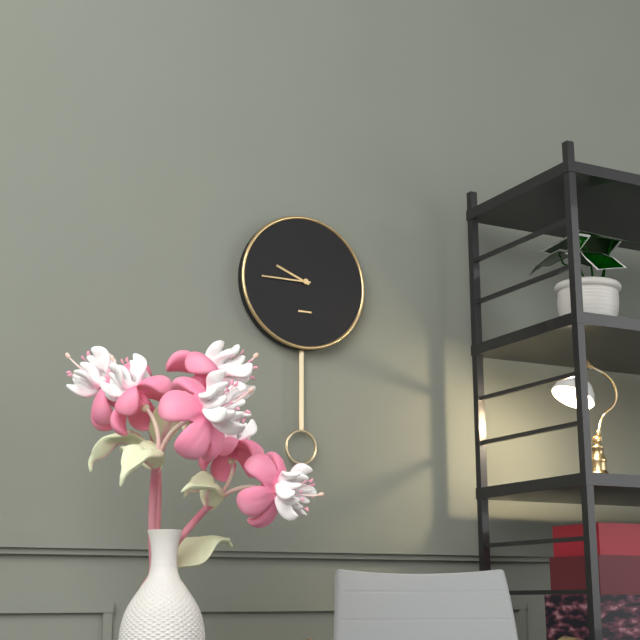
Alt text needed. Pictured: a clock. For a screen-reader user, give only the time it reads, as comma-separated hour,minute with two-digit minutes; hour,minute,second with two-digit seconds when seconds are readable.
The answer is 9,45
